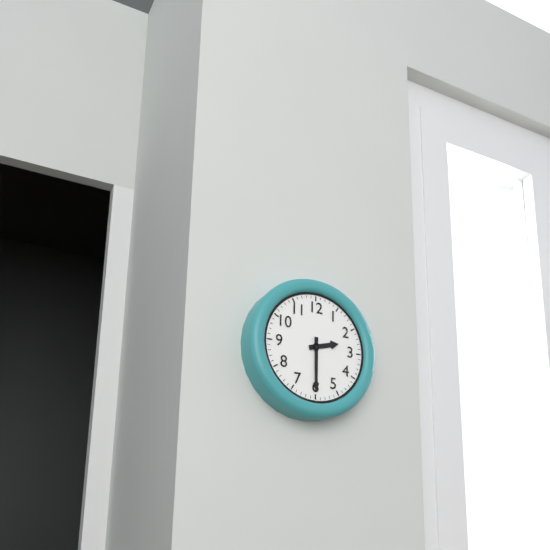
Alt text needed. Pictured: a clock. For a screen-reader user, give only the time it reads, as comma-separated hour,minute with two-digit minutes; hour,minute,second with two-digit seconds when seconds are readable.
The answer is 2,30
